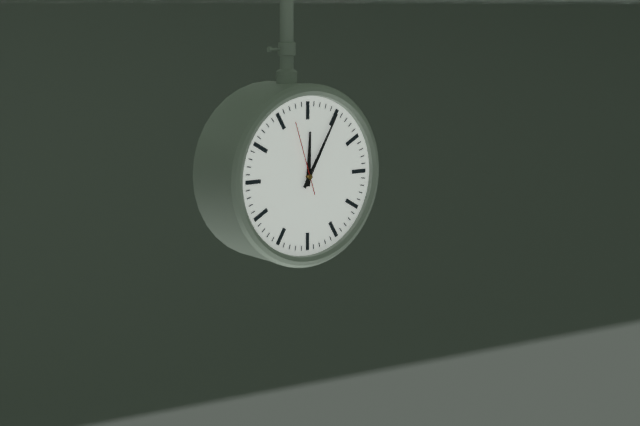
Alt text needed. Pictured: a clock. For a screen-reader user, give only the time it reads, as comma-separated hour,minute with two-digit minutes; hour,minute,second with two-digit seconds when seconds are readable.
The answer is 12,05,57
